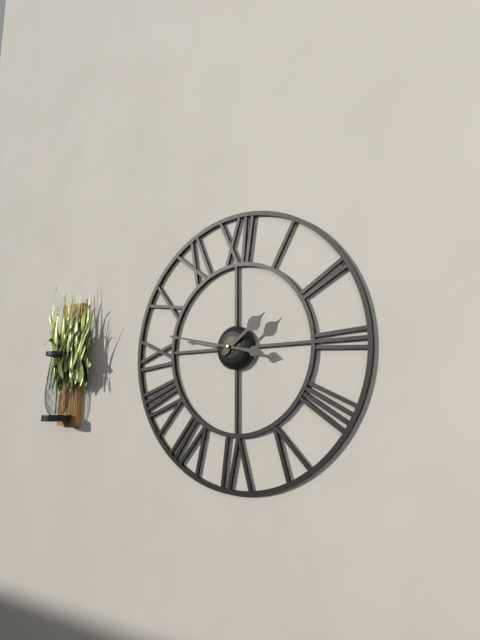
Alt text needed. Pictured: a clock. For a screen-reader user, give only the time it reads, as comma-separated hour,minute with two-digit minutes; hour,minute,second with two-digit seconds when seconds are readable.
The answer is 1,47
